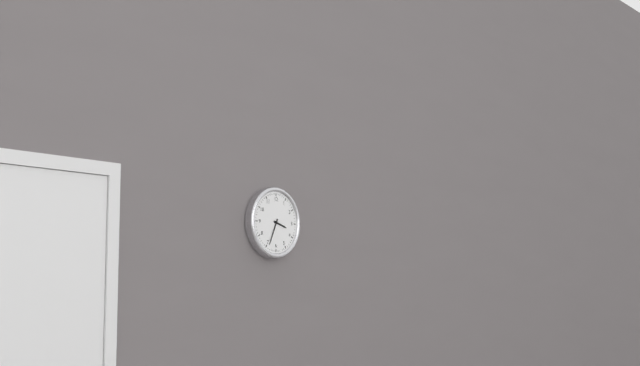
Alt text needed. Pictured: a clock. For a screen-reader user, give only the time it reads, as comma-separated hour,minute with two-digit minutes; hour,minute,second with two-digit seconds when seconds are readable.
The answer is 3,34
